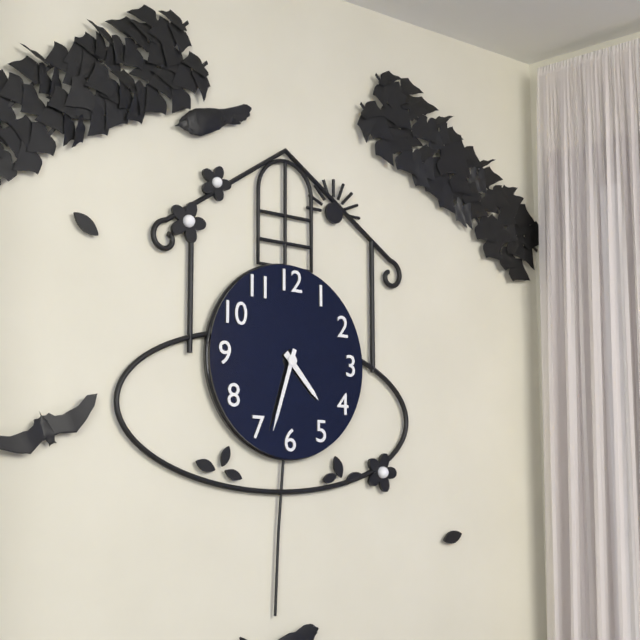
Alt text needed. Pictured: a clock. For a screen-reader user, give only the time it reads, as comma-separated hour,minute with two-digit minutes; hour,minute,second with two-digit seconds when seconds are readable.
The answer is 4,33
